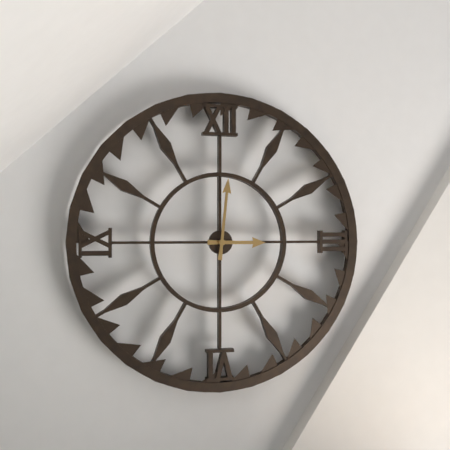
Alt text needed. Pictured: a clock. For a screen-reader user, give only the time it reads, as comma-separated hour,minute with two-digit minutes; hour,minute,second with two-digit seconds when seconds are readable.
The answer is 3,01
